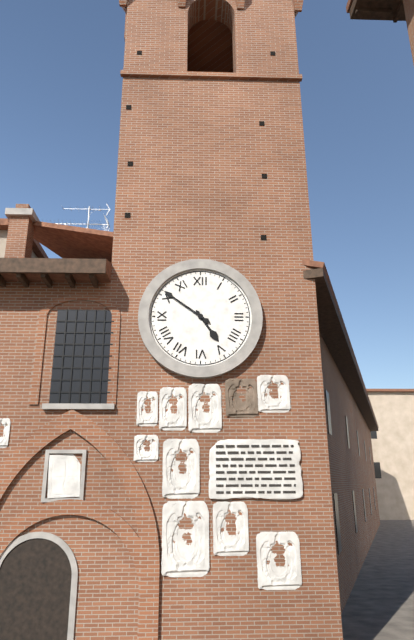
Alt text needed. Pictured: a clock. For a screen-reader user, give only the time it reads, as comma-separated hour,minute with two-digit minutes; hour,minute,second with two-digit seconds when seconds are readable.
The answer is 4,51
